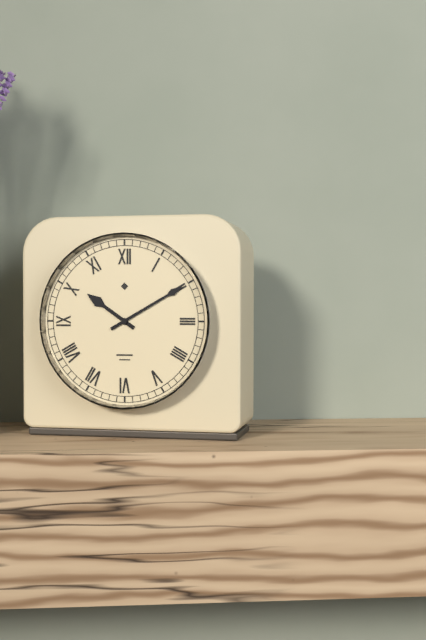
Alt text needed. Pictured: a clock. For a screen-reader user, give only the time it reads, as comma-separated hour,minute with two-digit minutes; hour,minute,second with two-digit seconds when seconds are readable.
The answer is 10,10
